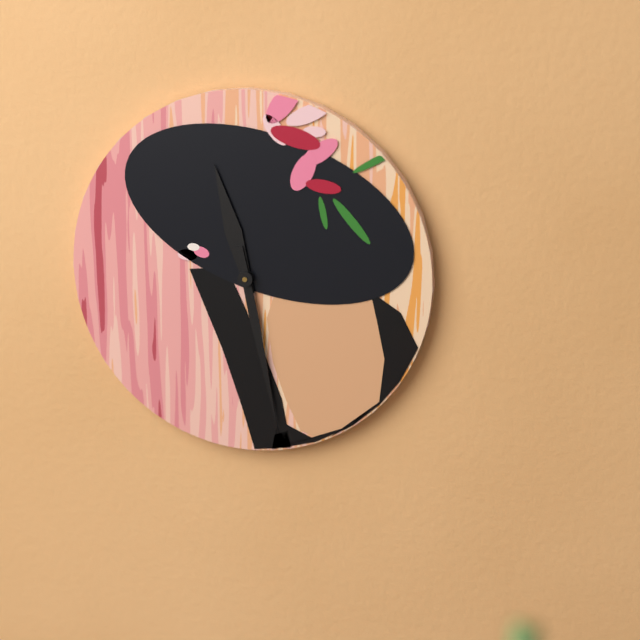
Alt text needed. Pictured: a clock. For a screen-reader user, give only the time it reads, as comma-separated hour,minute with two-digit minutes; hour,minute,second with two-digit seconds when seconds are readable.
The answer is 11,28
